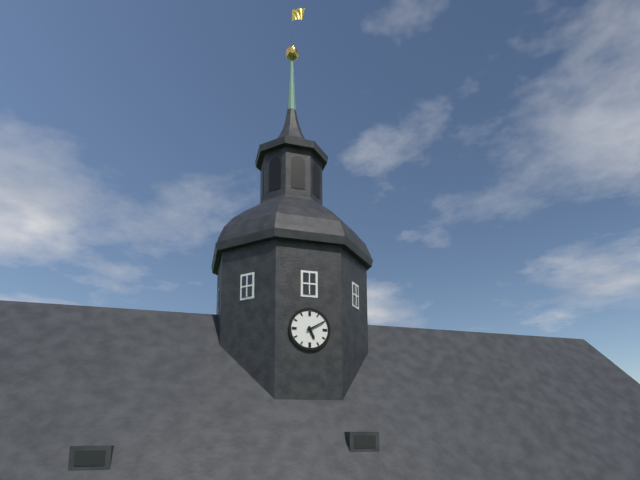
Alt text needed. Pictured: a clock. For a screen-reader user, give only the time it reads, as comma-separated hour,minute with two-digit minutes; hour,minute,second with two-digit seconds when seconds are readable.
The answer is 5,10
